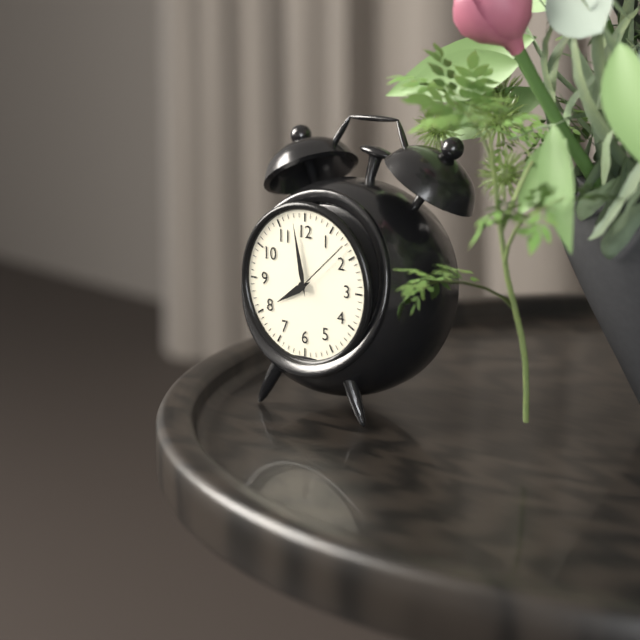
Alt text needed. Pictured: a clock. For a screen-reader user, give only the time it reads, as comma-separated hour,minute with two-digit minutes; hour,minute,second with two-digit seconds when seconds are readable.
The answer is 7,58,08
